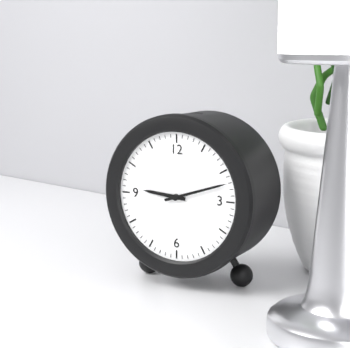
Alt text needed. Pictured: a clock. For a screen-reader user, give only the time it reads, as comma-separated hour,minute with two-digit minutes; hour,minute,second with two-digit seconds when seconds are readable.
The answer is 9,12
